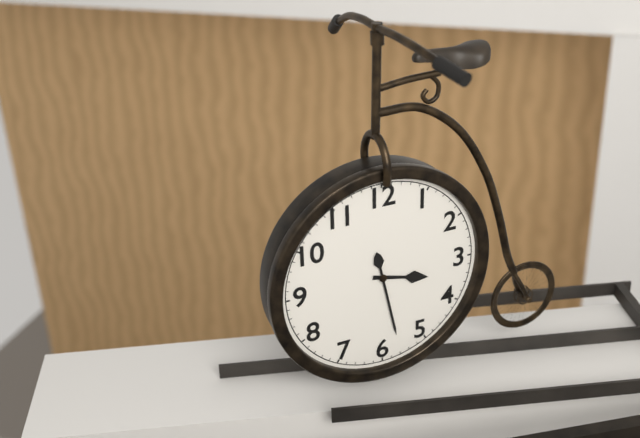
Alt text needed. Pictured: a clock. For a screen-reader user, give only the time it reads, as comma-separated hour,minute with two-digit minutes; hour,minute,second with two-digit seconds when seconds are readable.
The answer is 3,28
